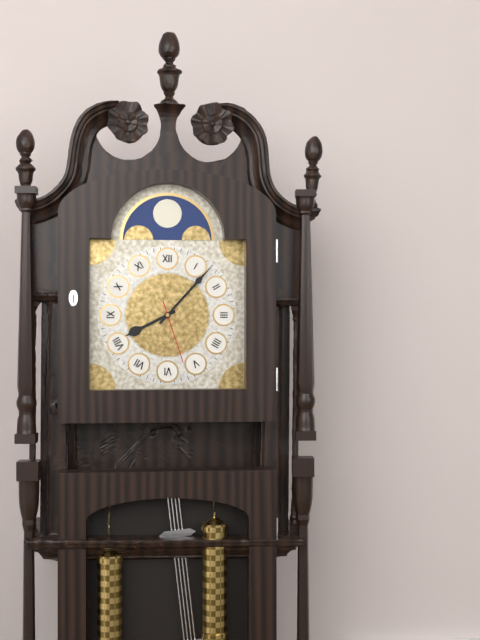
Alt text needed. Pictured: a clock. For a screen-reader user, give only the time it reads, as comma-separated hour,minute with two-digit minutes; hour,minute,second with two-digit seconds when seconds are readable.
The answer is 8,07,27
